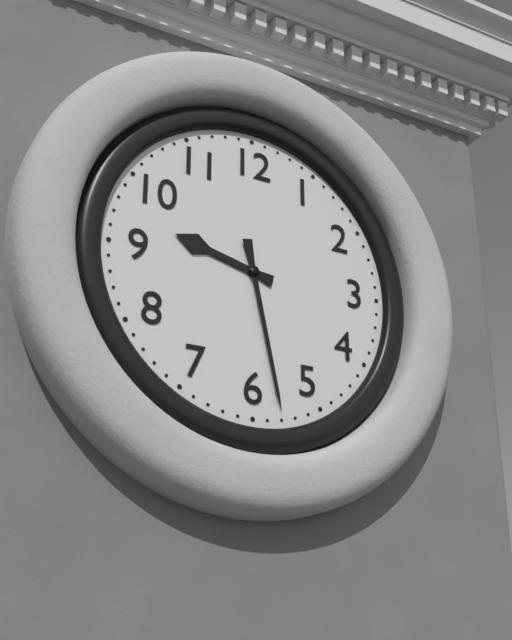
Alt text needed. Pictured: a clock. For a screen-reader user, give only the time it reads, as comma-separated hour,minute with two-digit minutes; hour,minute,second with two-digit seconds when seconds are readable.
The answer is 9,28
